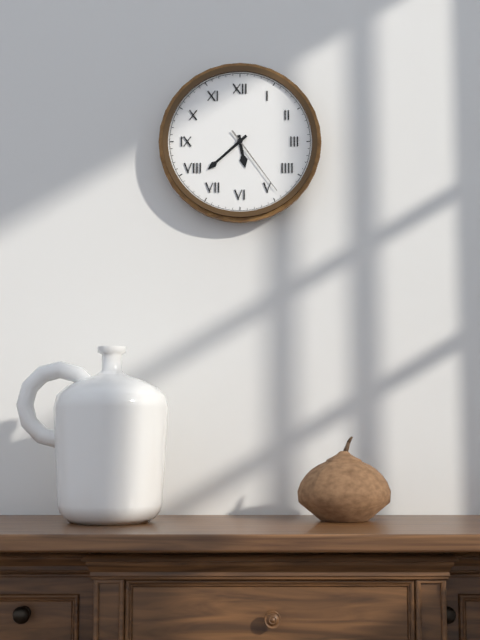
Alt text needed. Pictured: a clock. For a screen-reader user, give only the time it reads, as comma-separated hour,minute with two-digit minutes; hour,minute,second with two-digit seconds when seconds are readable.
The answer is 5,38,24
